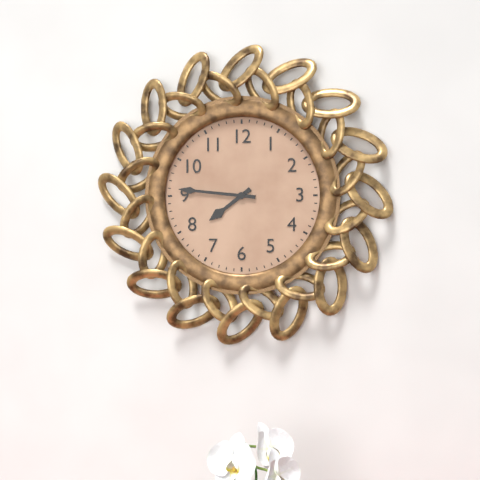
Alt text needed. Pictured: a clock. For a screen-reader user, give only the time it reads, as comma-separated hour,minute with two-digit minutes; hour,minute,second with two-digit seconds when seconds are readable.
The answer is 7,46
